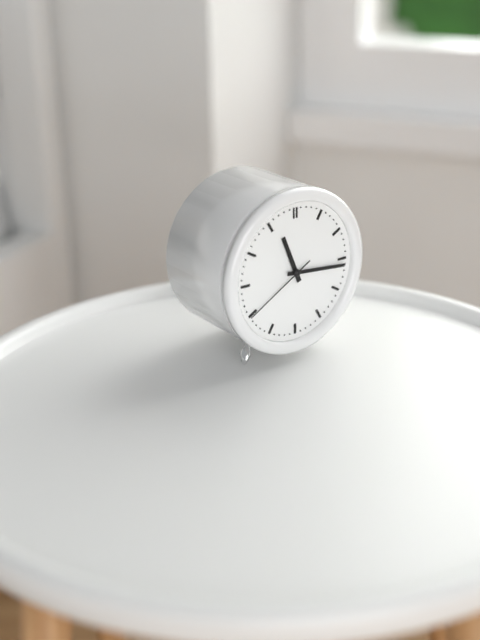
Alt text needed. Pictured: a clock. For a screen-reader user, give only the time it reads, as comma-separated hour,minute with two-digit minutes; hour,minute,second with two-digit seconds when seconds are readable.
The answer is 11,16,40
